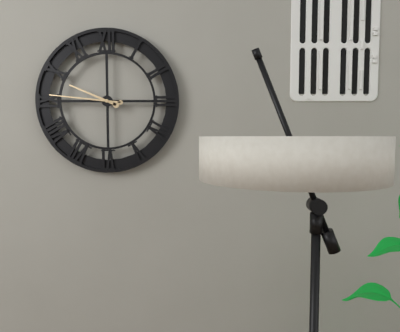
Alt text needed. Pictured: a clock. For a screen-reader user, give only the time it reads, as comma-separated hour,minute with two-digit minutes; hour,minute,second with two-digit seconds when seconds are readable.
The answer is 9,46
